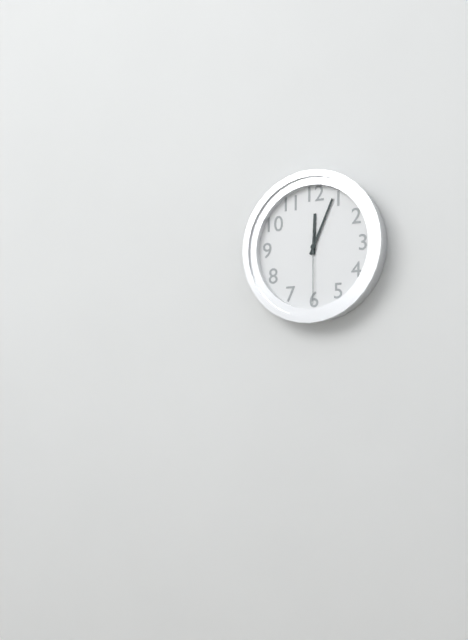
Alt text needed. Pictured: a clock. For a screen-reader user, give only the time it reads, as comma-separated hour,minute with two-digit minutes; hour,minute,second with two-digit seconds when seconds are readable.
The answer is 12,04,30
